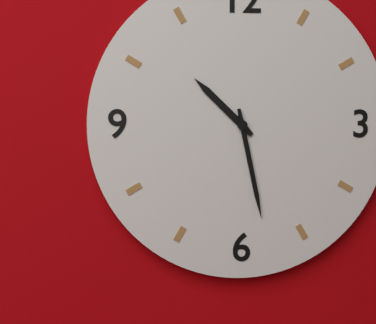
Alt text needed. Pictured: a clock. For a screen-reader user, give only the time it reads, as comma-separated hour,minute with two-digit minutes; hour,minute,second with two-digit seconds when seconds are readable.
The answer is 10,28
